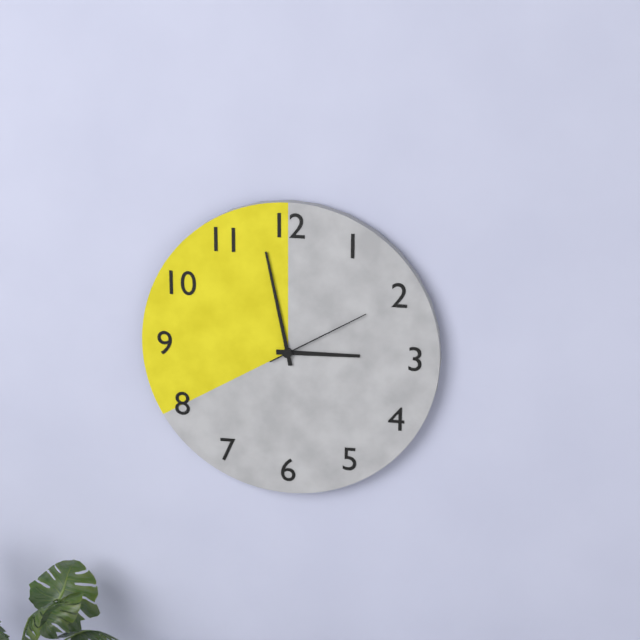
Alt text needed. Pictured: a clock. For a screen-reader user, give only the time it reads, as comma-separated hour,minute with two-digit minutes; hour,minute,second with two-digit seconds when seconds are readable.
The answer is 2,58,10
